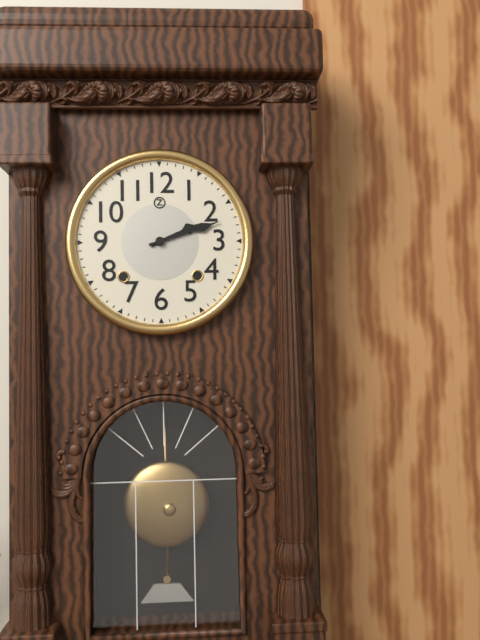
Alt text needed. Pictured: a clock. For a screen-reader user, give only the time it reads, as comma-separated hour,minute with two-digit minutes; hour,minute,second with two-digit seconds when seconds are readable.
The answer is 2,12
